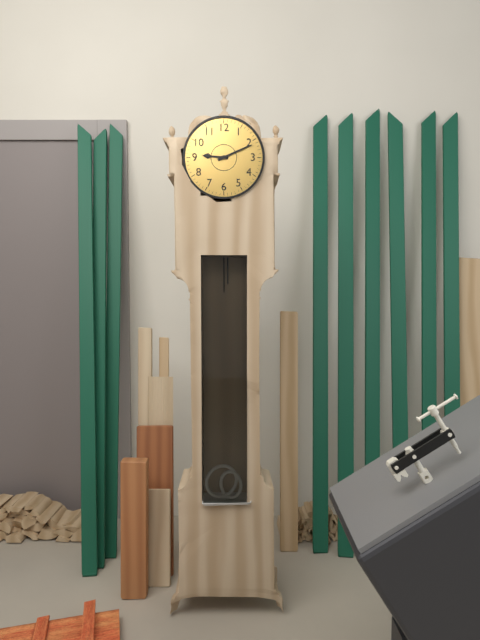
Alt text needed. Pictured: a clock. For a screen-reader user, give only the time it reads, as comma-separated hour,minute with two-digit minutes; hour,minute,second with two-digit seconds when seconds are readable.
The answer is 9,11
